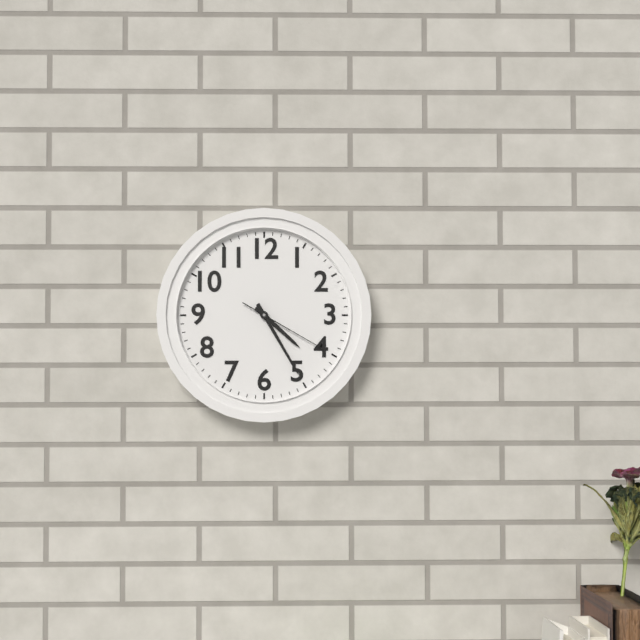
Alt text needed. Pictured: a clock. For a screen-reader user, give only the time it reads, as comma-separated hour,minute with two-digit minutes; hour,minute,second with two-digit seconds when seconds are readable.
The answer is 4,25,20
